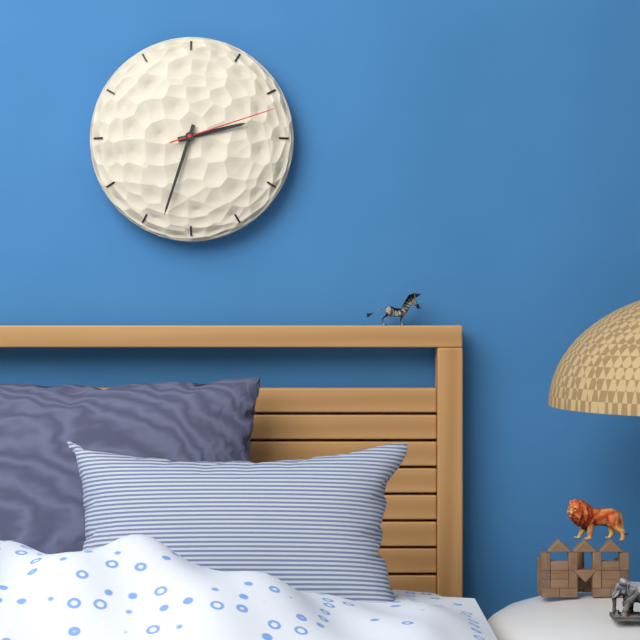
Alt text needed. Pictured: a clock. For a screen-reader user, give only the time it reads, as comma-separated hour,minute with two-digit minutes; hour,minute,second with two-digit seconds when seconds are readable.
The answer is 2,33,12
